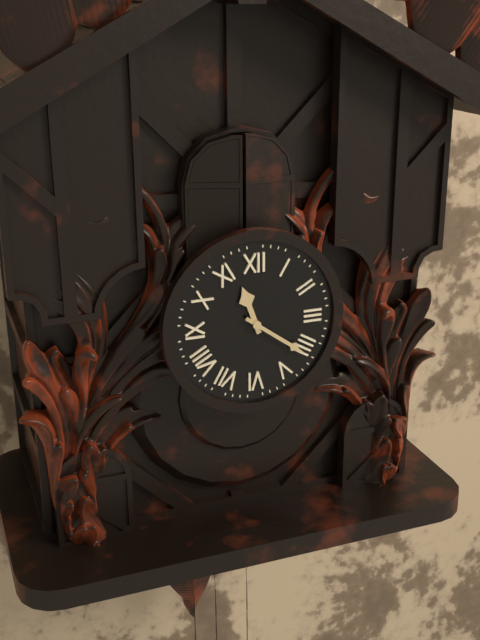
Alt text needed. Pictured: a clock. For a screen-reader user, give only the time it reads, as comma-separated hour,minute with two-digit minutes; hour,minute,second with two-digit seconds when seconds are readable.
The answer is 11,21
